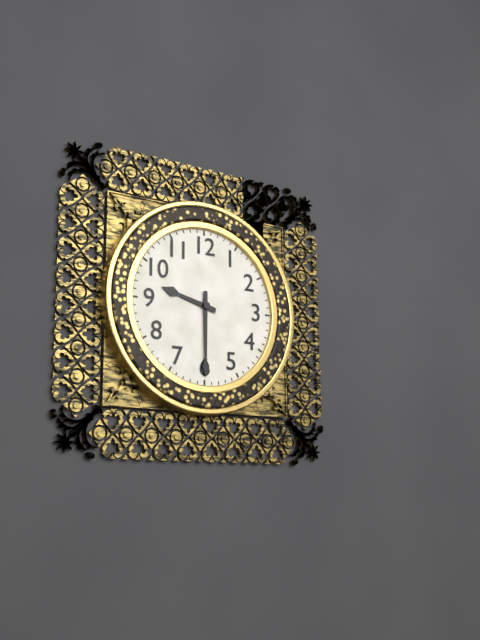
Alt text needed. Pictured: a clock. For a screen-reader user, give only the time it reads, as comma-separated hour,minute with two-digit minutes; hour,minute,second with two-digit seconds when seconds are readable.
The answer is 9,30
